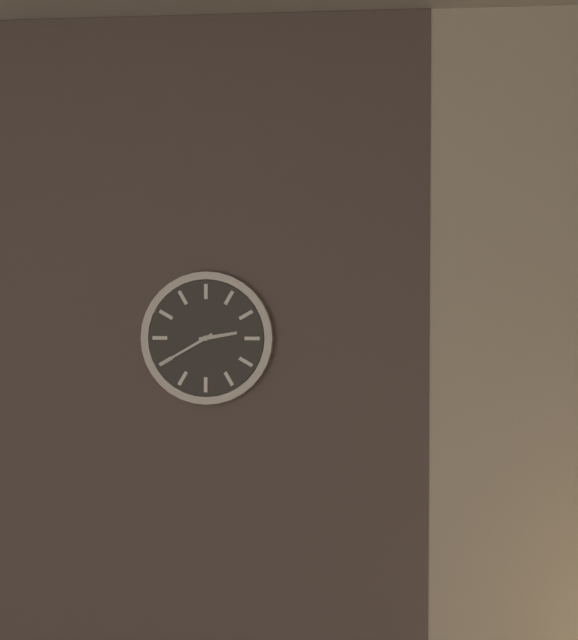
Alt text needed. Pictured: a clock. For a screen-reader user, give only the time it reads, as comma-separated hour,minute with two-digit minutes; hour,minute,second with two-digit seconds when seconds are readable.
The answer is 2,40
